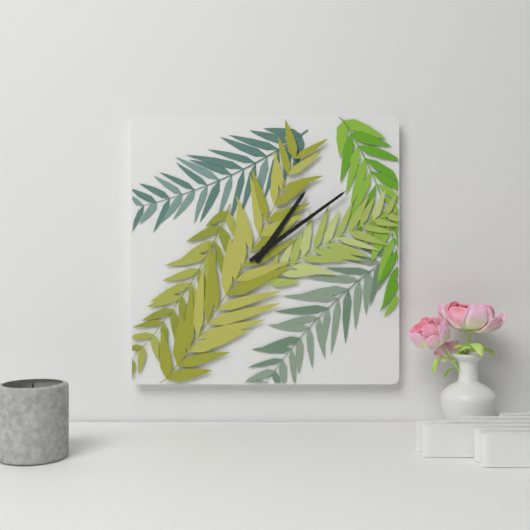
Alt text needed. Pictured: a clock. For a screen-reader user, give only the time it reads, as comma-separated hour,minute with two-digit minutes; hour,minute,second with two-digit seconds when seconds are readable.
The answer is 1,09
